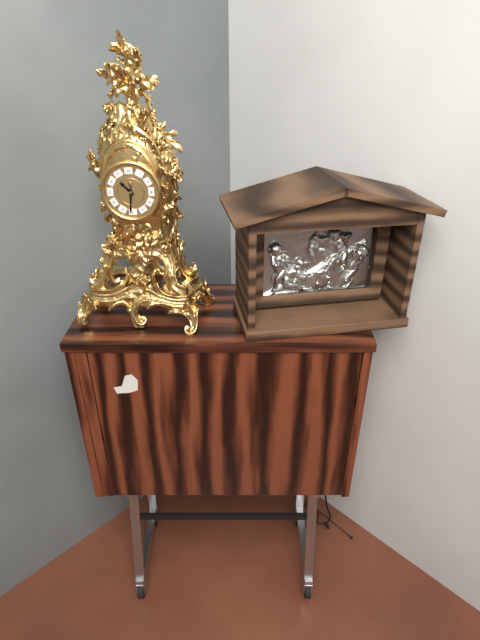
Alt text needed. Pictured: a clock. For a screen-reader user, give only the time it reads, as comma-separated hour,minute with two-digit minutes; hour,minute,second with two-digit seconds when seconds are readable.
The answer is 10,31
